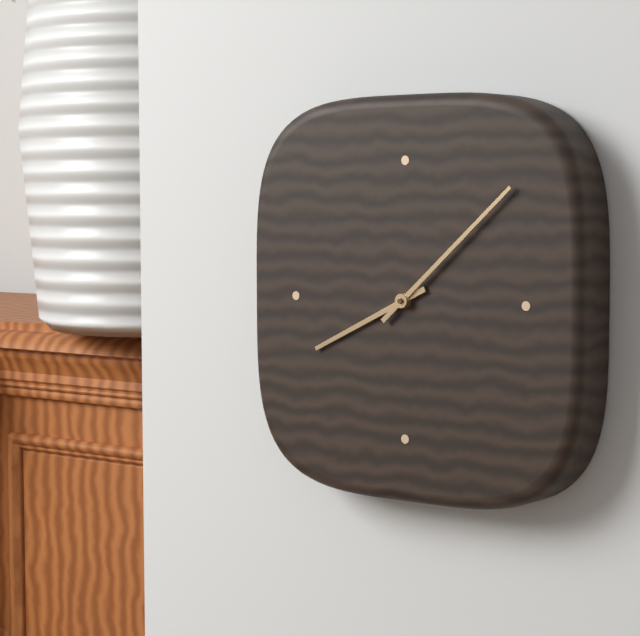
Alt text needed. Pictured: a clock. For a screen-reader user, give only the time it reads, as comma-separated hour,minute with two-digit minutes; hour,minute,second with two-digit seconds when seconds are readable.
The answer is 8,08
